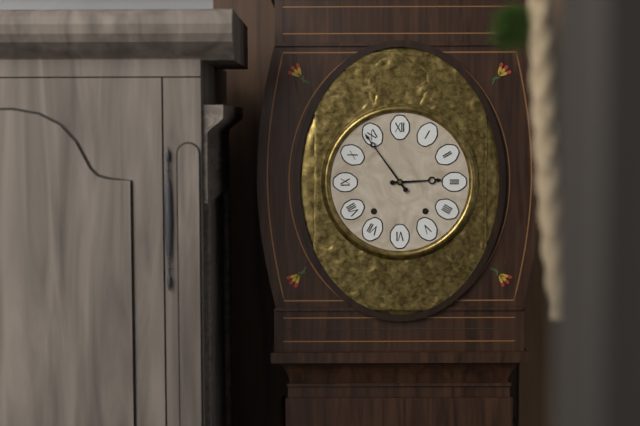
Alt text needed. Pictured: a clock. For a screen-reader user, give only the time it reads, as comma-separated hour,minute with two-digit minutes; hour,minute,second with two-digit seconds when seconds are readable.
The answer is 2,54
